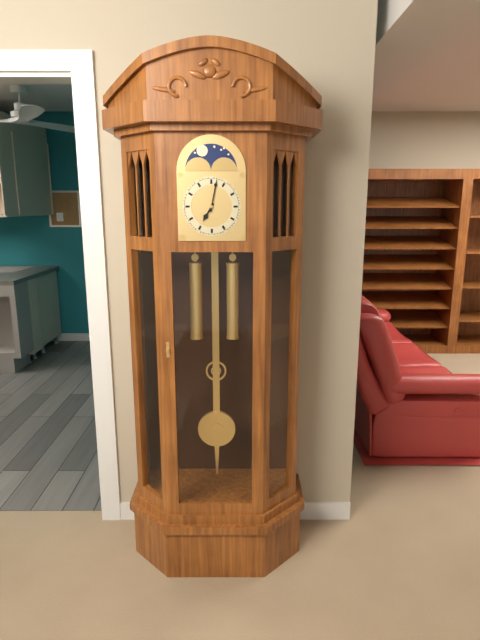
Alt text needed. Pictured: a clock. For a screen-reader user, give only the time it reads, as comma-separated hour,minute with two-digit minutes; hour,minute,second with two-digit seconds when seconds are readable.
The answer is 7,02
